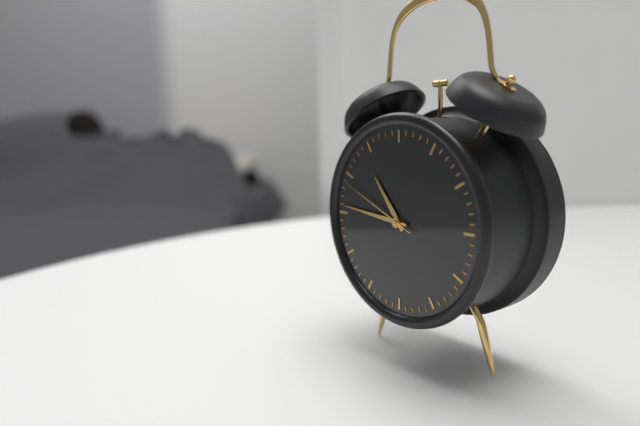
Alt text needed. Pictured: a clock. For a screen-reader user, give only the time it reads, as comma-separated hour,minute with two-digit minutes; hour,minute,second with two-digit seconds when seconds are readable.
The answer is 10,46,49
